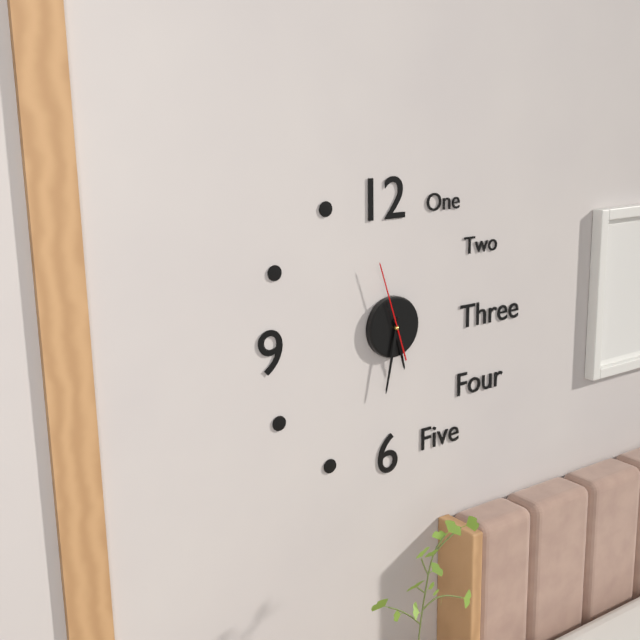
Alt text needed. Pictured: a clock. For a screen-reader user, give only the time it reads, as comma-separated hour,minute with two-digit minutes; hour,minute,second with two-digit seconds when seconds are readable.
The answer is 5,32,57
